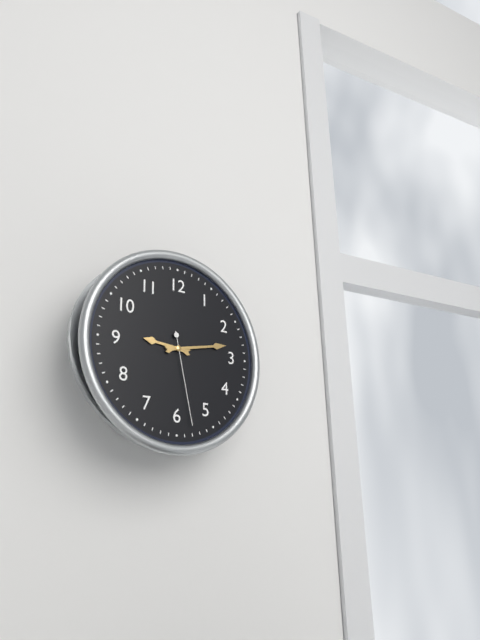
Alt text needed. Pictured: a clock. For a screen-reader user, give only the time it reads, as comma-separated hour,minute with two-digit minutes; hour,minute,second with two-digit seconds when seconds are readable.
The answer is 9,13,28
